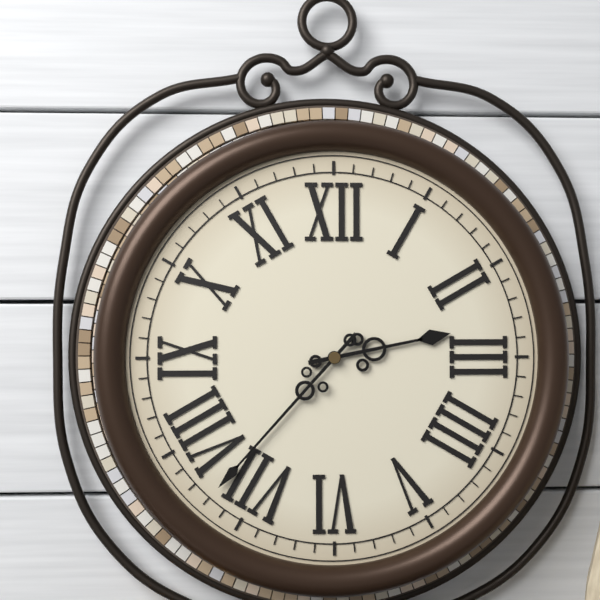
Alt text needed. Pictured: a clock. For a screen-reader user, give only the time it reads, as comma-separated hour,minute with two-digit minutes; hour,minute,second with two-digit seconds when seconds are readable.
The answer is 2,37
